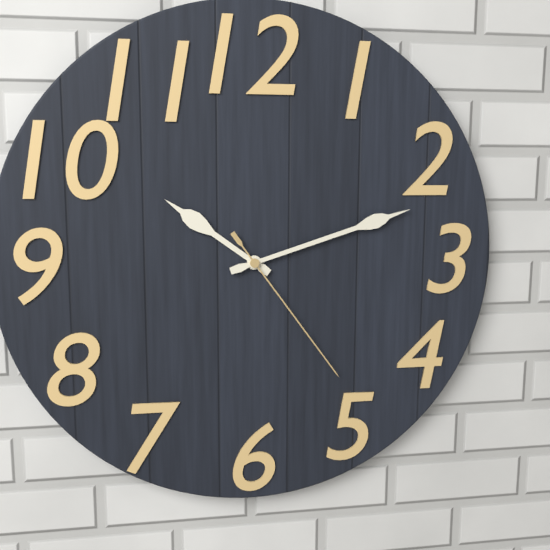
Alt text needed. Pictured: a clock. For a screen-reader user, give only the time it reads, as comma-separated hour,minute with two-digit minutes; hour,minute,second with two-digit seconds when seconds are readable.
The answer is 10,12,24
